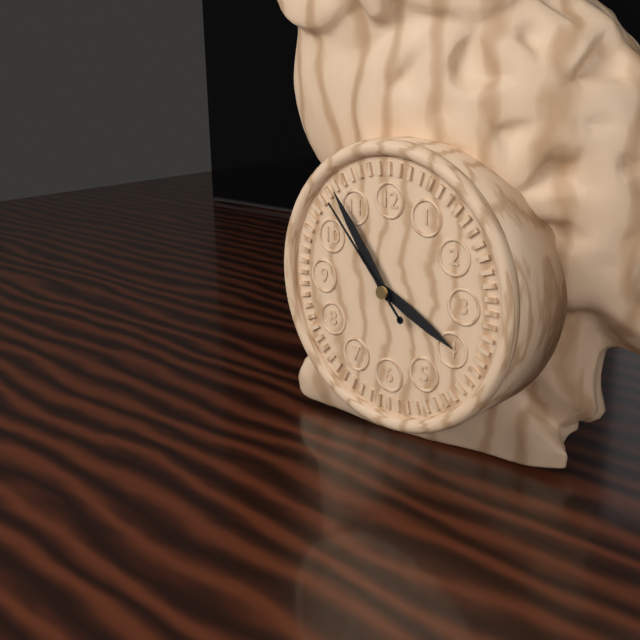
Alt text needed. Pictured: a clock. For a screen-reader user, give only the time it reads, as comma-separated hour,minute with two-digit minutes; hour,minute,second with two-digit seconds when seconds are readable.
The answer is 3,54,53
